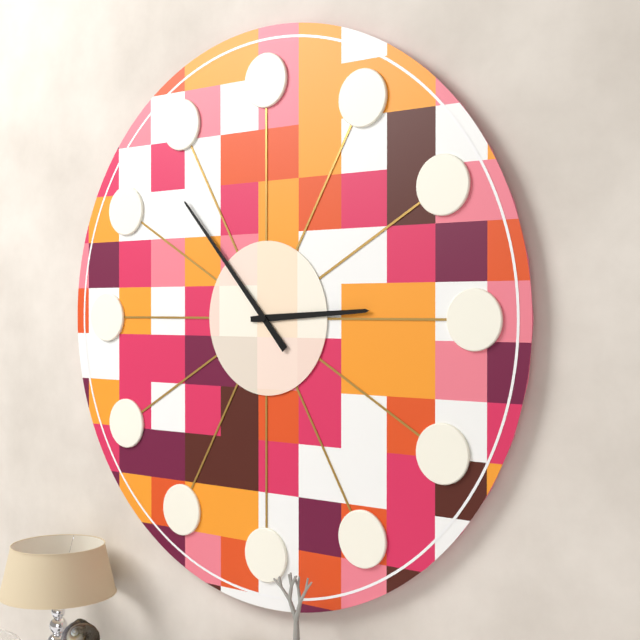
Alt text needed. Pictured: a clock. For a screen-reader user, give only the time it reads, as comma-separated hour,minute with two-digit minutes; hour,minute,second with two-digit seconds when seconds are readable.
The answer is 2,53
